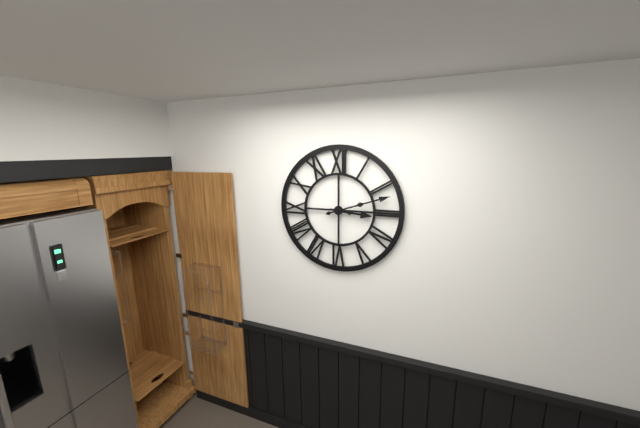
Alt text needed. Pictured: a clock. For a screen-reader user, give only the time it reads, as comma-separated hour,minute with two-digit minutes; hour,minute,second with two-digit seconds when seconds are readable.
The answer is 3,12
